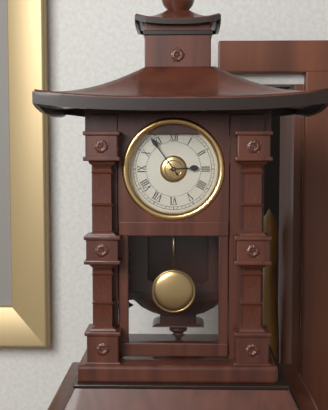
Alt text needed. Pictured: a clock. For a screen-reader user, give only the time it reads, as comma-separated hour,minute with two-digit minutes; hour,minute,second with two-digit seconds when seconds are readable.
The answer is 2,54
